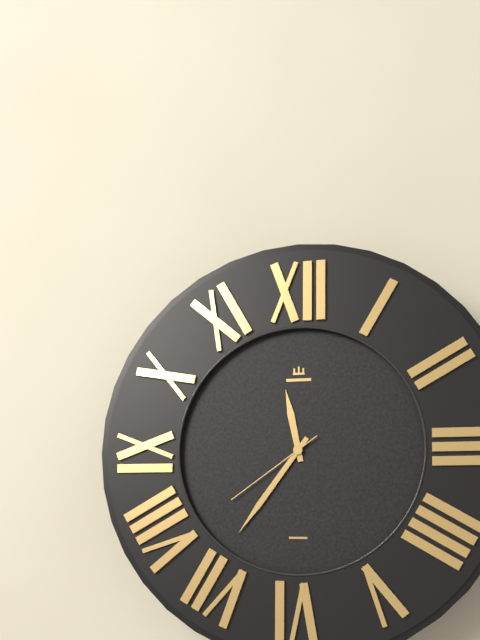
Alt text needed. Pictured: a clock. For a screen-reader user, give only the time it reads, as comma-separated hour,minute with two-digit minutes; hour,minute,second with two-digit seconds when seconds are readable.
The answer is 11,36,39
